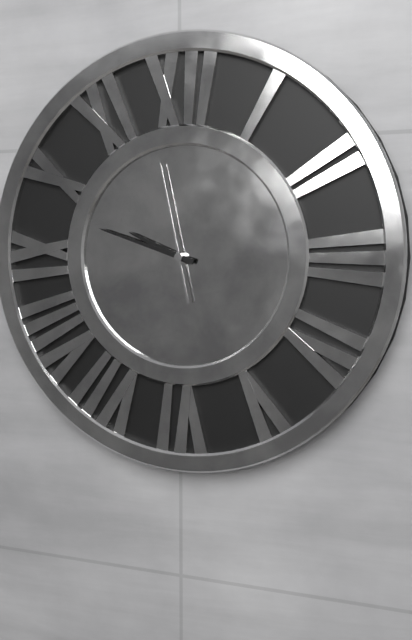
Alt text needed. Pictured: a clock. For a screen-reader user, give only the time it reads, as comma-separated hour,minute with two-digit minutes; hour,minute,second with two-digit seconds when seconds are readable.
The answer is 9,48,58
